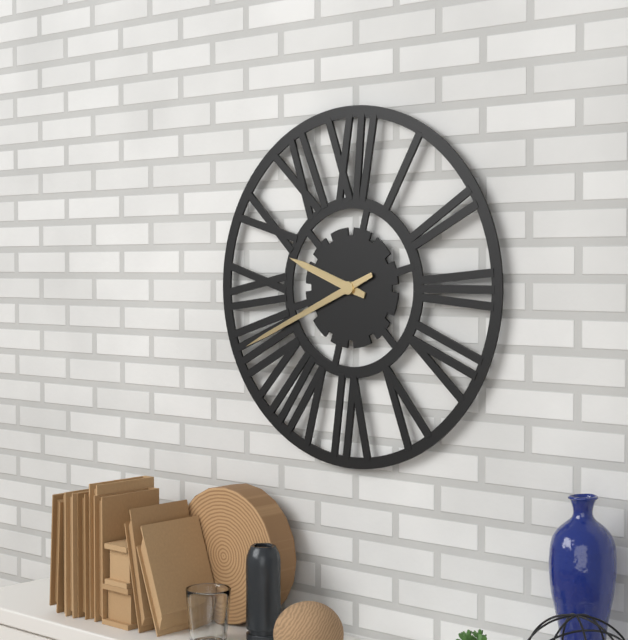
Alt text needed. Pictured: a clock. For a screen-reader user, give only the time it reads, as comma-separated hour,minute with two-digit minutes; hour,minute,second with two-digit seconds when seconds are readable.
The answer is 9,41
